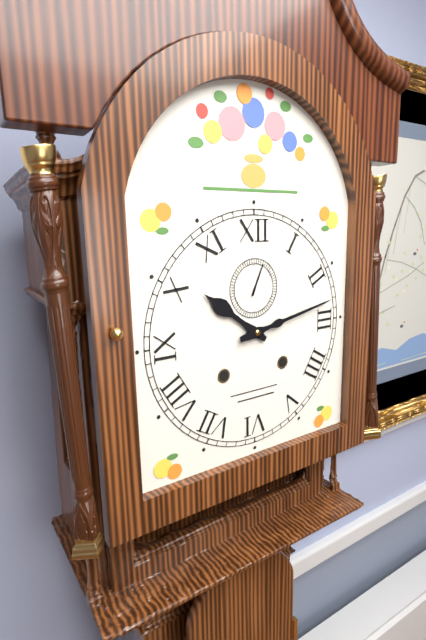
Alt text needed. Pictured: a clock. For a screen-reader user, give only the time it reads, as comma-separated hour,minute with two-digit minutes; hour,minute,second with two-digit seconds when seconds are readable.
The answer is 10,13
